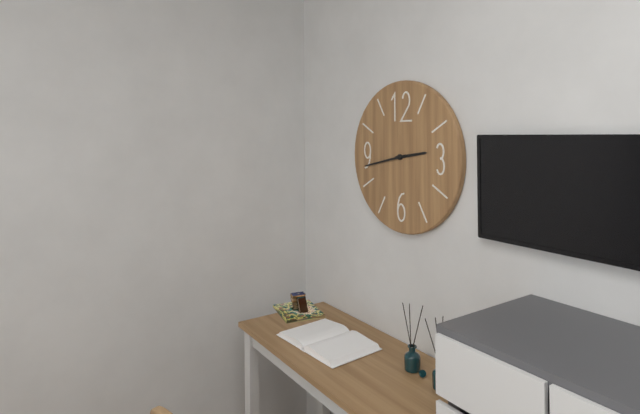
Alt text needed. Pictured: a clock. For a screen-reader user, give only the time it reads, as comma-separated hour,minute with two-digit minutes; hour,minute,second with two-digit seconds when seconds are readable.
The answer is 2,43
